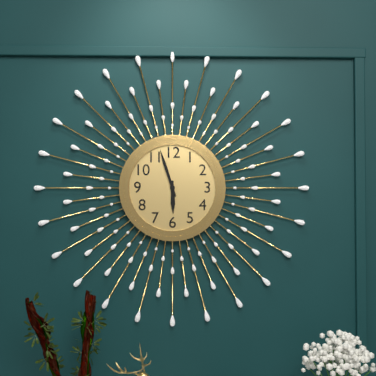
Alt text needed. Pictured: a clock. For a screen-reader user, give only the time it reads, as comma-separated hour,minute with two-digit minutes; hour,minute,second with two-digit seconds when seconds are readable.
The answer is 5,57
